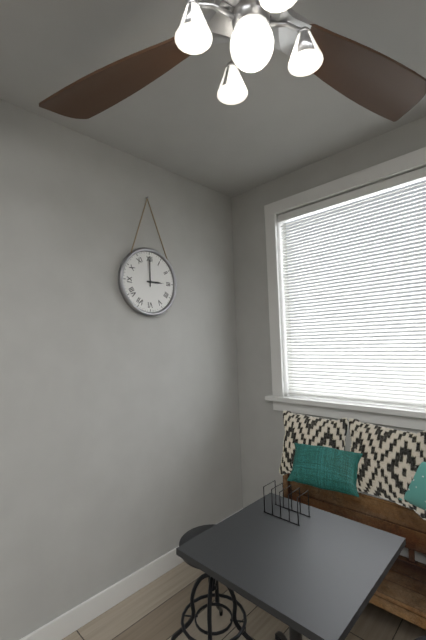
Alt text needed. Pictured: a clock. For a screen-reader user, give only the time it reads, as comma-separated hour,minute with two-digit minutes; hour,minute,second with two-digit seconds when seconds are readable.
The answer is 3,00
